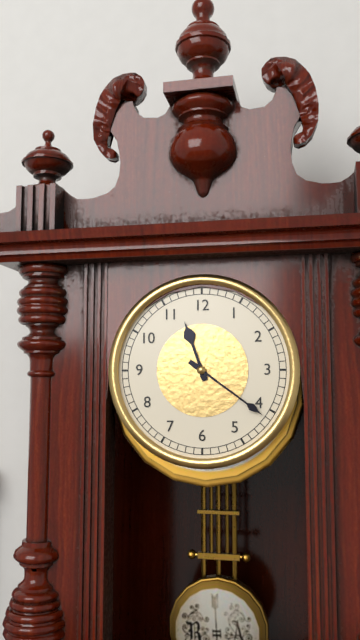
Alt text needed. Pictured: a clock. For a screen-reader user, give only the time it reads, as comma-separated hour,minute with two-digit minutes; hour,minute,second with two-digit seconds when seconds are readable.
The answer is 11,21
